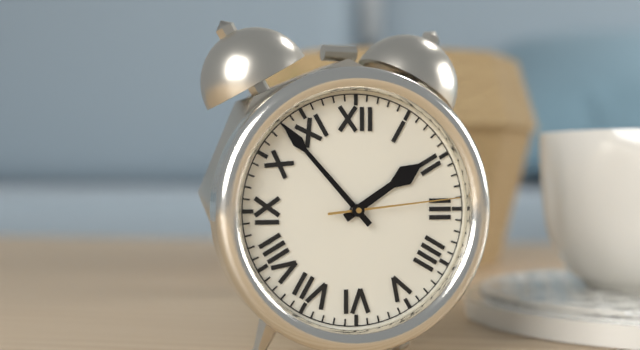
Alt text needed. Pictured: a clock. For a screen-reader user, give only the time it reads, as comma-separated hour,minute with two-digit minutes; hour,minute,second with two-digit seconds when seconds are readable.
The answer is 1,53,14
